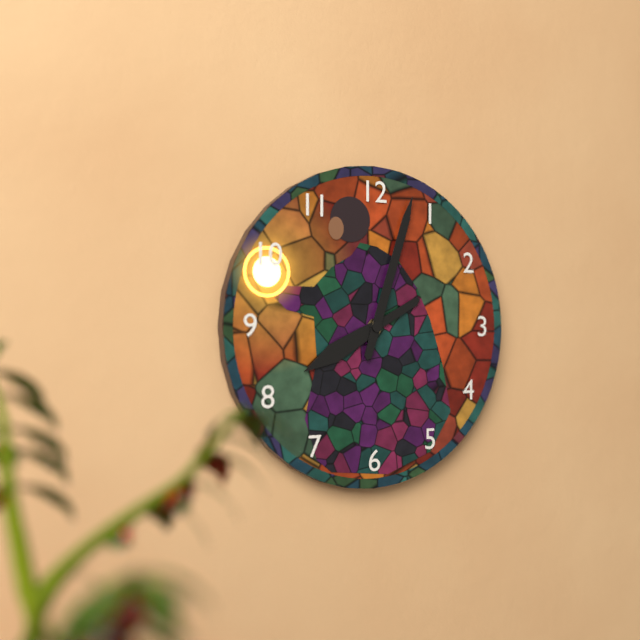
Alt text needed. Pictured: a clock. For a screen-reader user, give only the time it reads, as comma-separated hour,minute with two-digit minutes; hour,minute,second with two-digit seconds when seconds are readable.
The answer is 8,03
